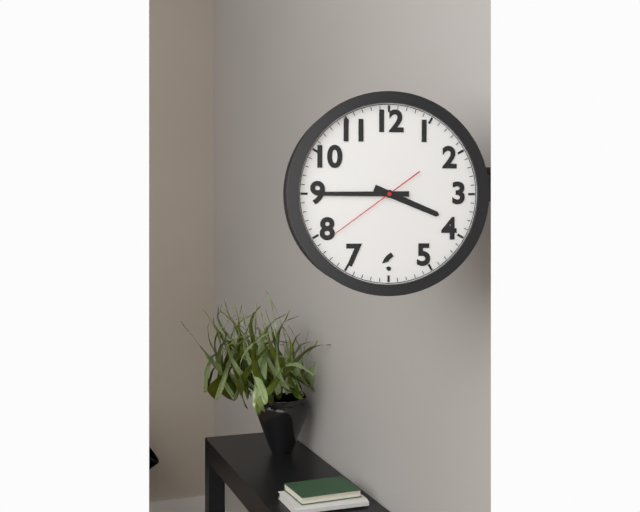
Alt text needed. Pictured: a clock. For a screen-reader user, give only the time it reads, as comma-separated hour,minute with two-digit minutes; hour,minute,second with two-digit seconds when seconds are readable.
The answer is 3,45,39
